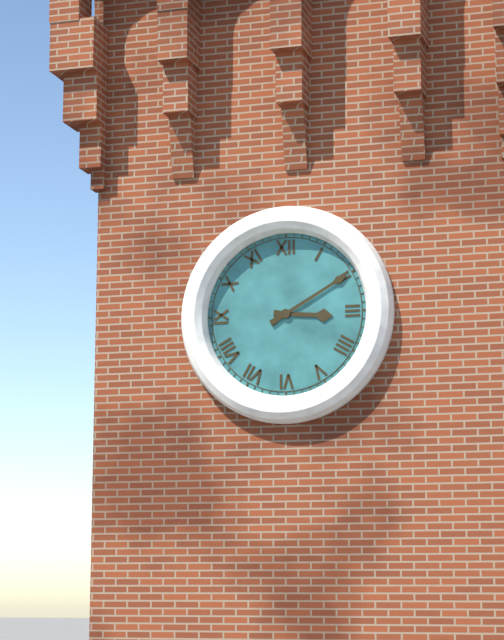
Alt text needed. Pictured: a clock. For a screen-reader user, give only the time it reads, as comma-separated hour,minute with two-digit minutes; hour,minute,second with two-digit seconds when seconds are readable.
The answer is 3,10
